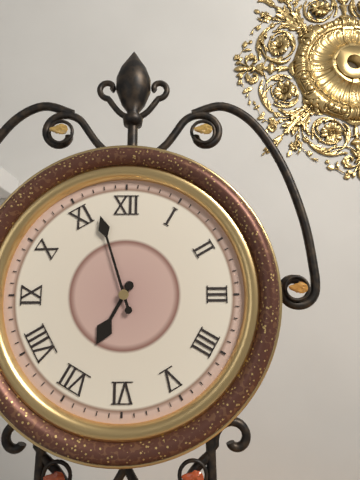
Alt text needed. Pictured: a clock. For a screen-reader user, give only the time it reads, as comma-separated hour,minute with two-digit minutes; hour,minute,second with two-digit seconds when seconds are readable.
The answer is 6,57
